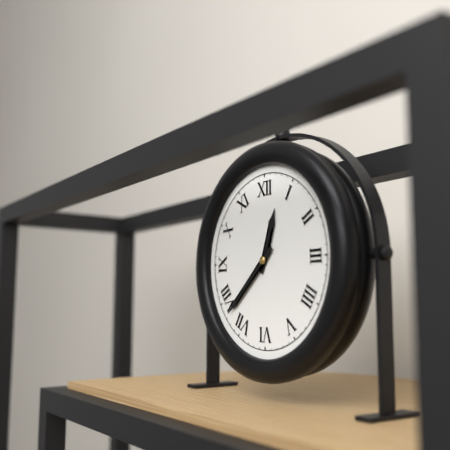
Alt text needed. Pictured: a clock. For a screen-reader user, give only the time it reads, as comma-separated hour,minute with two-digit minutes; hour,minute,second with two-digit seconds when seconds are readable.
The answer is 12,38
